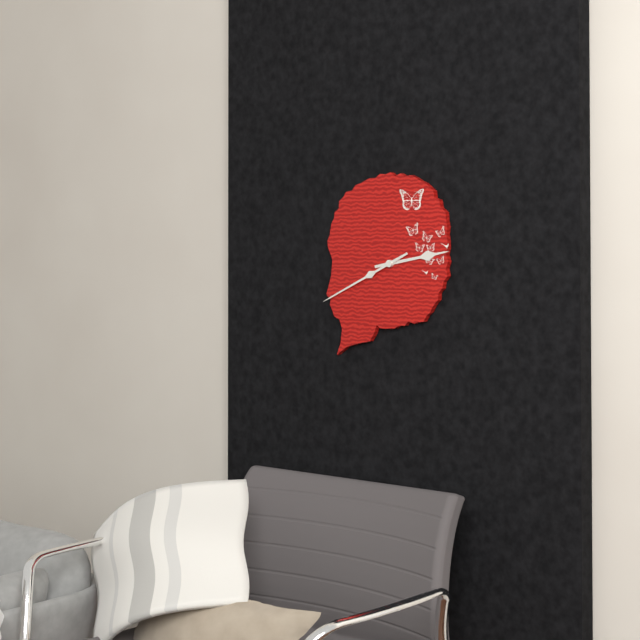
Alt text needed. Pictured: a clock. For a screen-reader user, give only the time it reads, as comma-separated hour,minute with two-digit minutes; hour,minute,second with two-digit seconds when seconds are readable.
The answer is 2,41
